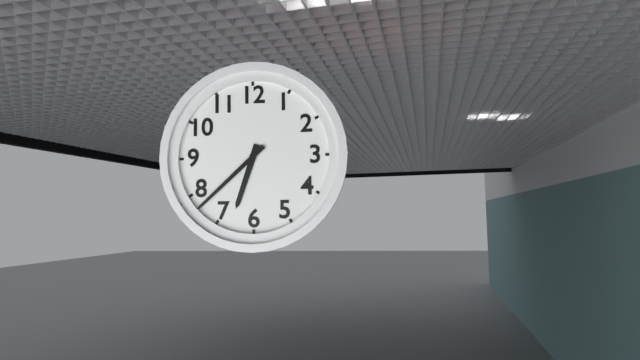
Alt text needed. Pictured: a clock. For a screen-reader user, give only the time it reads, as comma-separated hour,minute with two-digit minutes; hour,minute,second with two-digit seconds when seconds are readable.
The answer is 6,38
